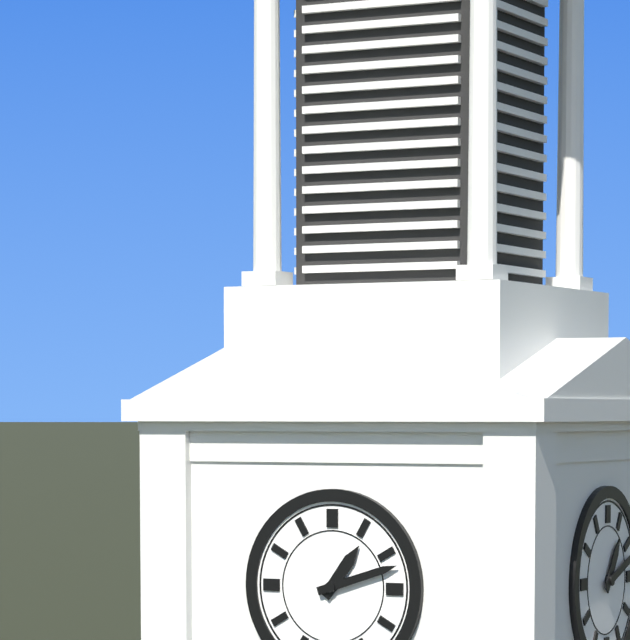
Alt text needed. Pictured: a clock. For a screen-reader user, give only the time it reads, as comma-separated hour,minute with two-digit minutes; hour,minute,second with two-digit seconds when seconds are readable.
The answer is 1,12
